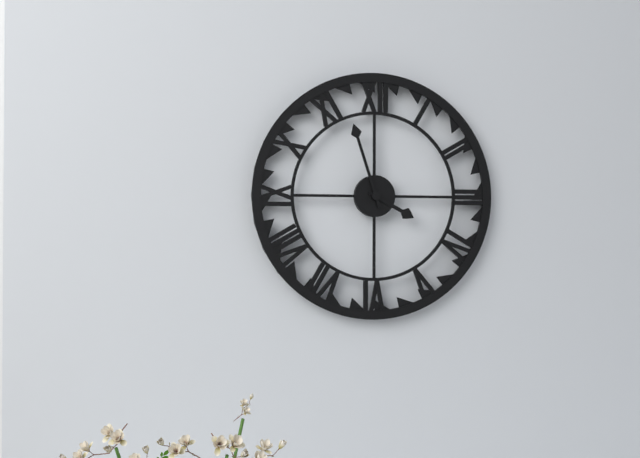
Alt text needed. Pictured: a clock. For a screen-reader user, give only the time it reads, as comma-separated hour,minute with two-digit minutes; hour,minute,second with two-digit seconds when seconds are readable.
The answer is 3,57
